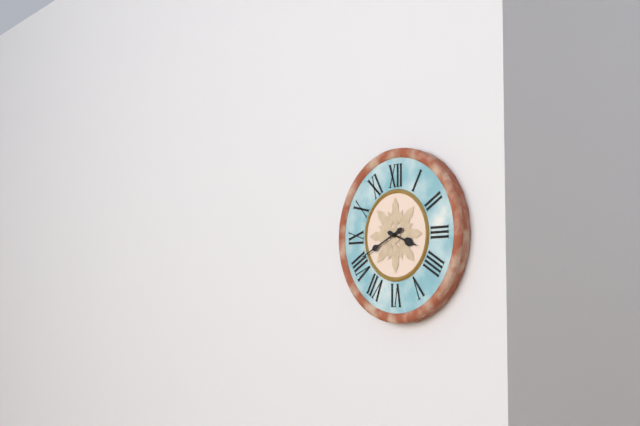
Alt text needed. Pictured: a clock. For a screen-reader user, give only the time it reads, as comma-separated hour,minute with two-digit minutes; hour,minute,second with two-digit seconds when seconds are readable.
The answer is 3,41
